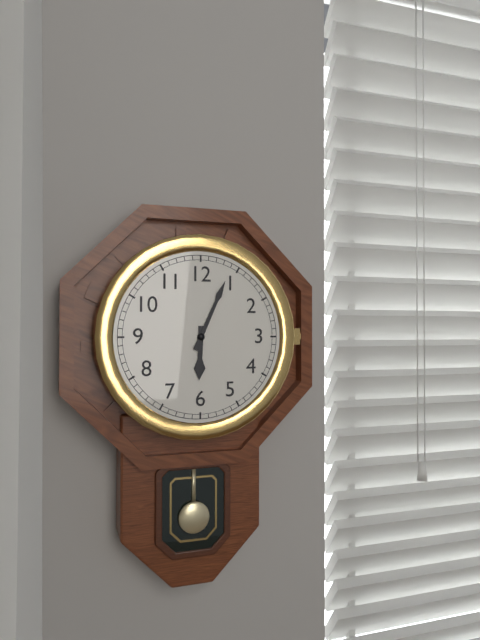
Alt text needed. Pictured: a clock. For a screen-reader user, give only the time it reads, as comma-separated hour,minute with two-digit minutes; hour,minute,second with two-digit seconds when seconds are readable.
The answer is 6,04
